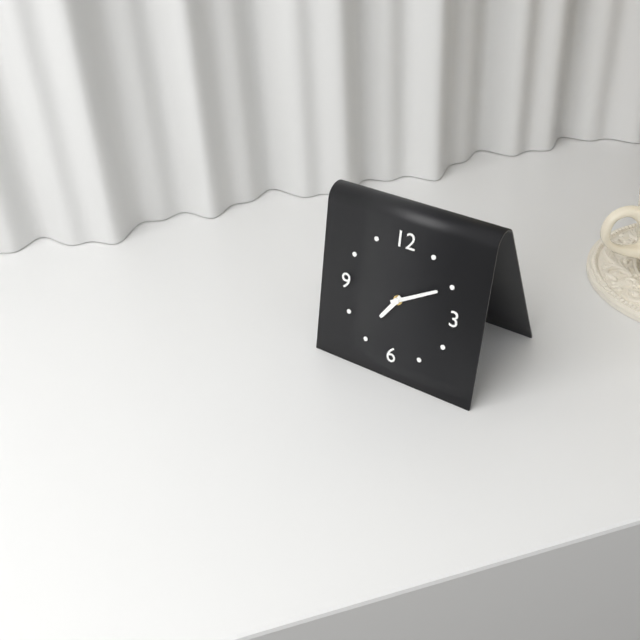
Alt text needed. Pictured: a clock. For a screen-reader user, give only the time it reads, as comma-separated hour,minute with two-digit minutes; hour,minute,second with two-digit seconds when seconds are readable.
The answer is 7,10
